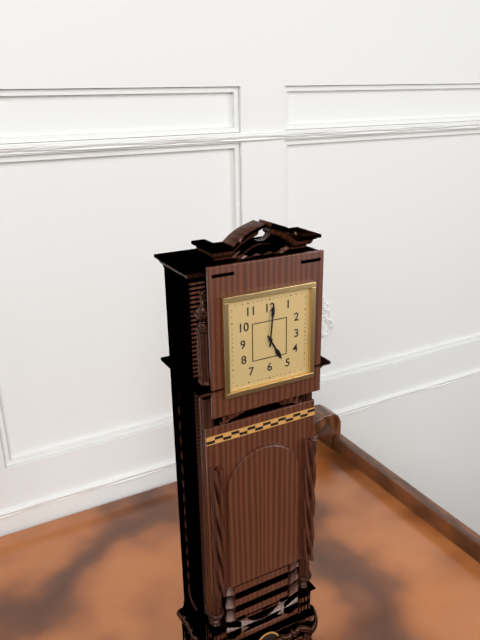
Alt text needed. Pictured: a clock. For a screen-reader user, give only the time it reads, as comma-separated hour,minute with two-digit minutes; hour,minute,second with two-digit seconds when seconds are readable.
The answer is 5,01
